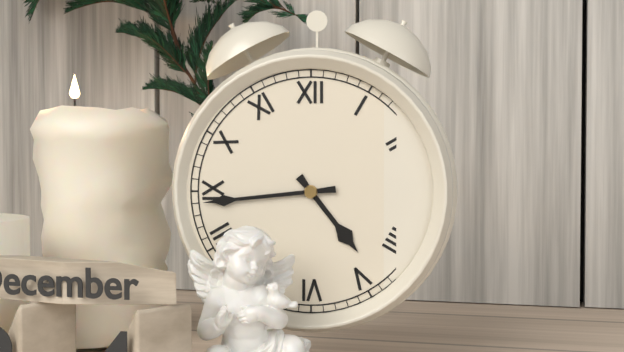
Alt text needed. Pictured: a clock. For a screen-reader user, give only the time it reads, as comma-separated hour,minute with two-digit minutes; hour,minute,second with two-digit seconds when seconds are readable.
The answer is 4,44
